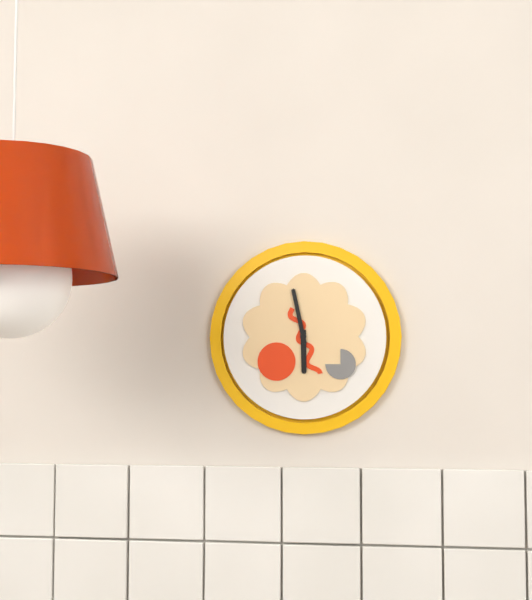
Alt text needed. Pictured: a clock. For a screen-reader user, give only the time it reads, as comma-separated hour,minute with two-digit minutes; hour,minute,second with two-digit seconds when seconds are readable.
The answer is 5,58
